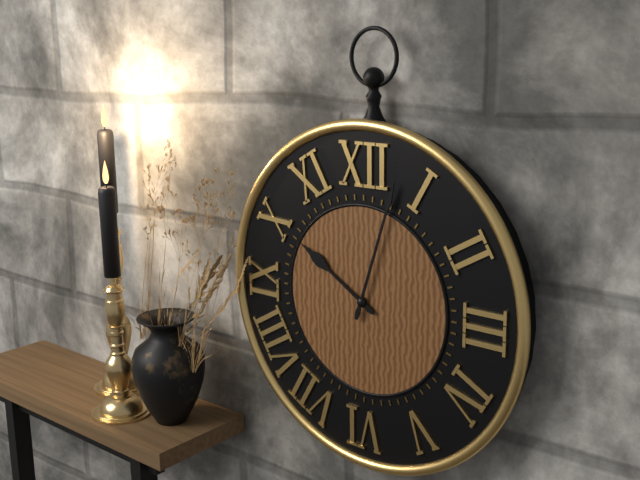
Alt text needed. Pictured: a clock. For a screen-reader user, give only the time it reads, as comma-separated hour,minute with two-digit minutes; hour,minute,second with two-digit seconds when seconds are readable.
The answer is 10,03
